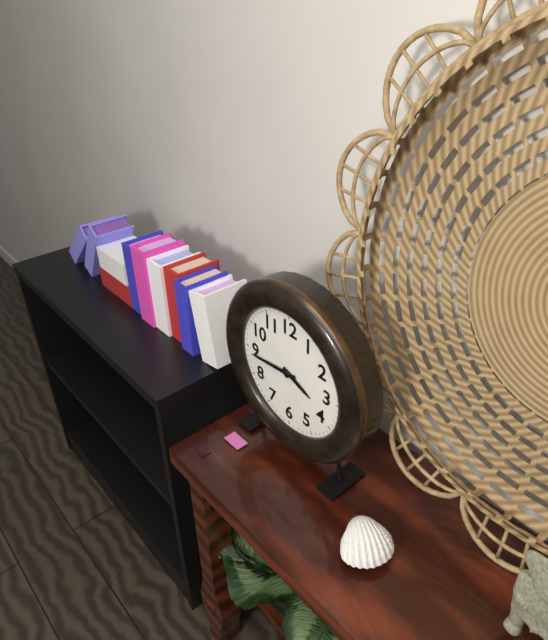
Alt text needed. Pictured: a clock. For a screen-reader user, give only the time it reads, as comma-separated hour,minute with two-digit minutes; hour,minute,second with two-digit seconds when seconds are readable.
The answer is 3,44
